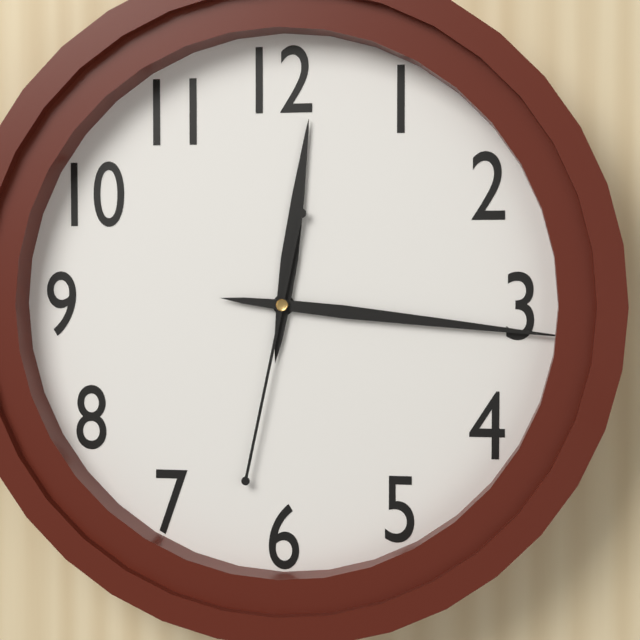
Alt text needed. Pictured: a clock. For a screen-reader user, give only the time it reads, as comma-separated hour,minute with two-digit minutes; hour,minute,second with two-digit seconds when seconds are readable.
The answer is 12,16,32
